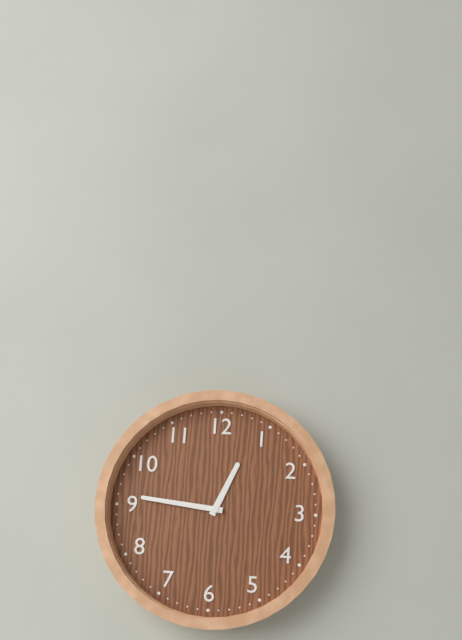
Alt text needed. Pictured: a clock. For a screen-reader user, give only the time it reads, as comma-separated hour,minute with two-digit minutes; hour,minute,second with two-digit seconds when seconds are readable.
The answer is 12,46
